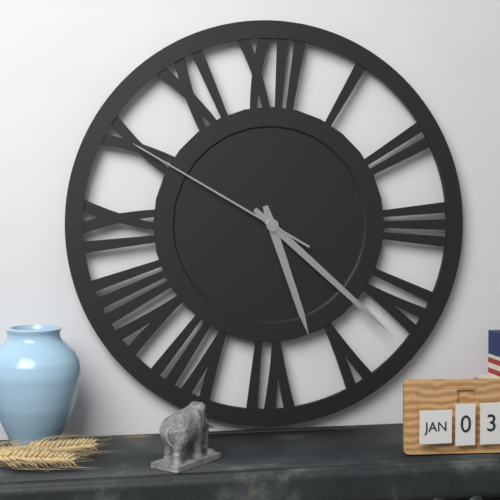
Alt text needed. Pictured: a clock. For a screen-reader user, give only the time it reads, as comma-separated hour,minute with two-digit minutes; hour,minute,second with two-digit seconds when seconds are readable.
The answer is 5,22,50
